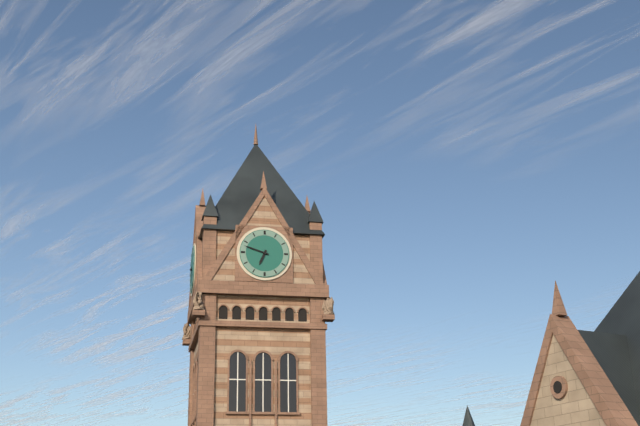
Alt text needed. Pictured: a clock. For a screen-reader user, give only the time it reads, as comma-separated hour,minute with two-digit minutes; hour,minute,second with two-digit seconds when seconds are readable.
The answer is 6,48
